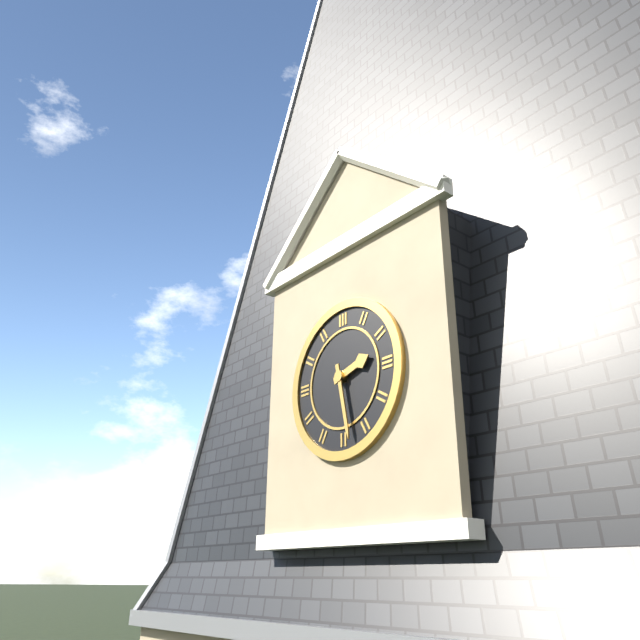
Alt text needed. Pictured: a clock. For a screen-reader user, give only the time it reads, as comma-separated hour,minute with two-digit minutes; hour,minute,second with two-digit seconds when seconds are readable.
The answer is 2,28
